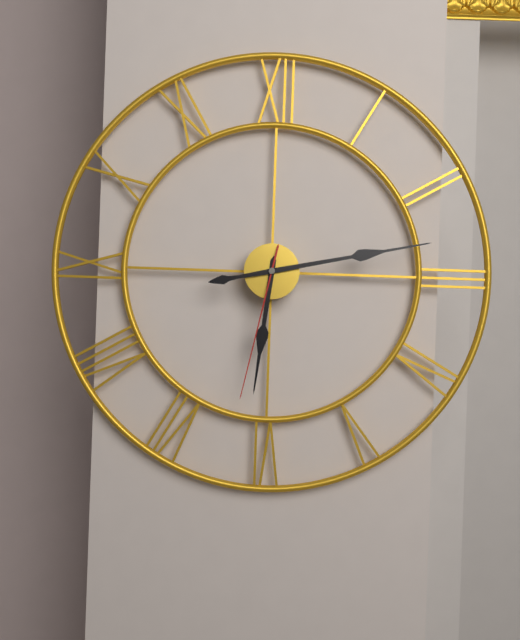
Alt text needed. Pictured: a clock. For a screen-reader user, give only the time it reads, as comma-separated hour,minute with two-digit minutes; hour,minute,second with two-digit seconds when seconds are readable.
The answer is 6,13,32
